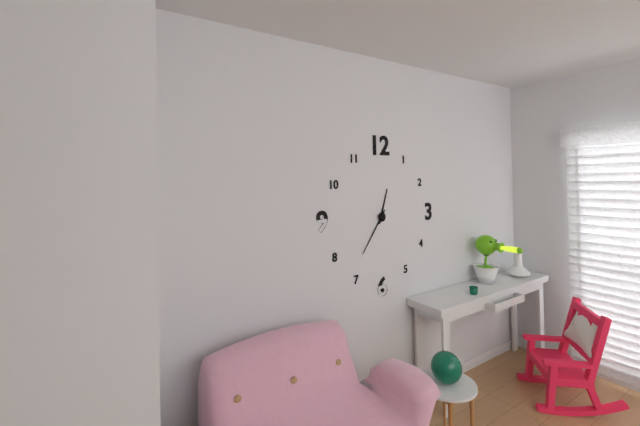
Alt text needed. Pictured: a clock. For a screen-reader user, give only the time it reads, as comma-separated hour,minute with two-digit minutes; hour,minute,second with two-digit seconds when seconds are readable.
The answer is 12,36
